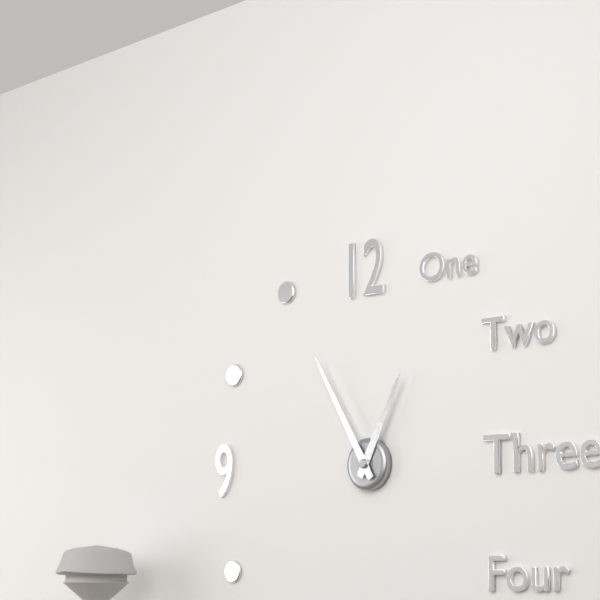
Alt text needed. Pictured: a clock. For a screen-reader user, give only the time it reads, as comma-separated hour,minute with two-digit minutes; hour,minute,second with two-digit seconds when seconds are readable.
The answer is 12,55
